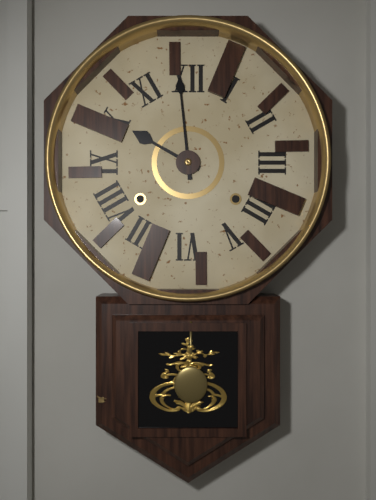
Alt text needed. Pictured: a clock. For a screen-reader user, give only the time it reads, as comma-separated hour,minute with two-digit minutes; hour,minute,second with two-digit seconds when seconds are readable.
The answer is 9,59
